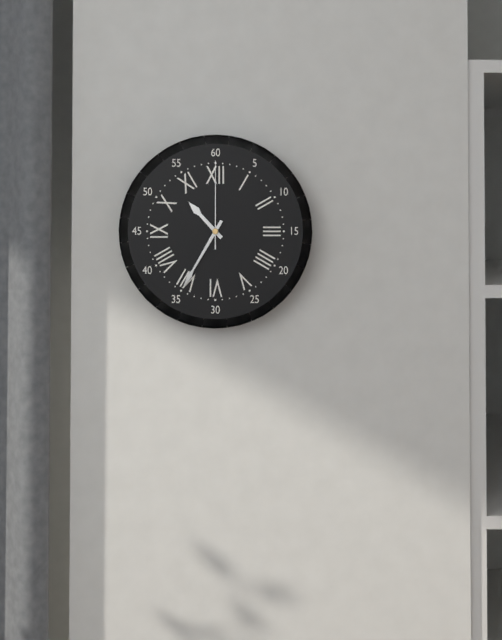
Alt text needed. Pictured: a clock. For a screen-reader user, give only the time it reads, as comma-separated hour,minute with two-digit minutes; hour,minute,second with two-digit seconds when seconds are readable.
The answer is 10,35,00
